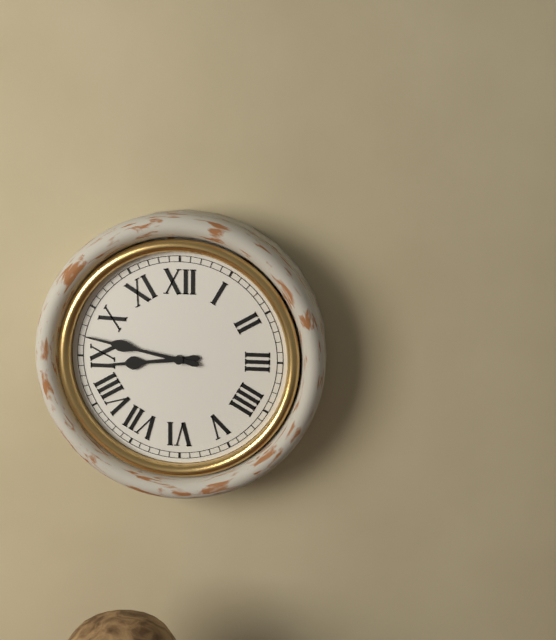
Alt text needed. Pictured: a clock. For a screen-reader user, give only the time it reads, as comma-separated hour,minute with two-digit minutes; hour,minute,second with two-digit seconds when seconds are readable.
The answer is 8,47
